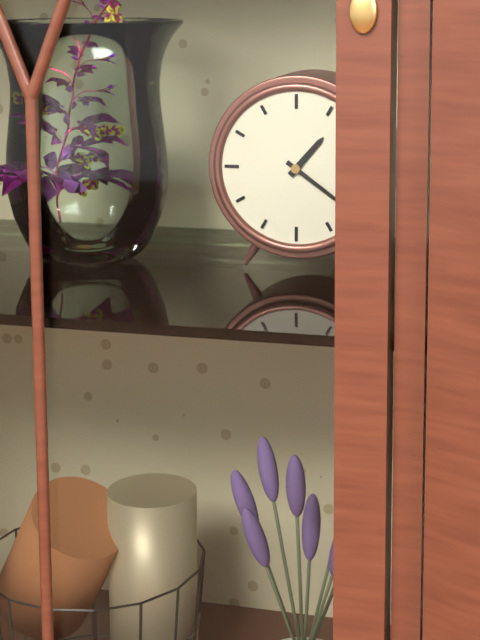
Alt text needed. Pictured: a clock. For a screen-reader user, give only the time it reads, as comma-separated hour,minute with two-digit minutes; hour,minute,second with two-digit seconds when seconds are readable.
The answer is 1,21
